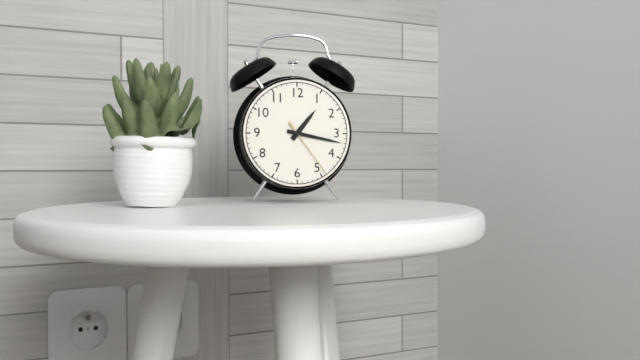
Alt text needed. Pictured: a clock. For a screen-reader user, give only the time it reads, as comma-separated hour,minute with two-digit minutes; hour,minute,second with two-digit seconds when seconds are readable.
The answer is 1,17,24
